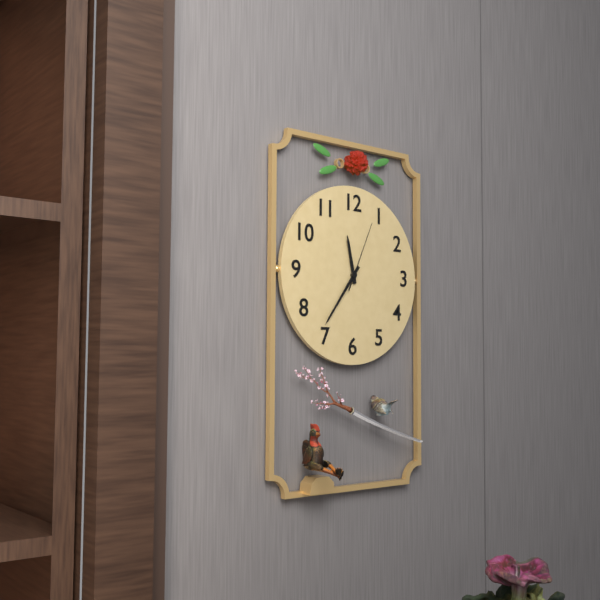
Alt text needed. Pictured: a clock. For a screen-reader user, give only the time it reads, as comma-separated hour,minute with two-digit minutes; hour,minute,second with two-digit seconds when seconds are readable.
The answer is 11,36,04
